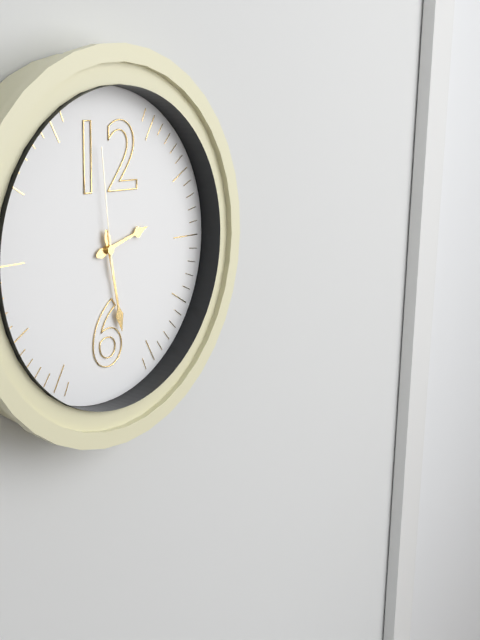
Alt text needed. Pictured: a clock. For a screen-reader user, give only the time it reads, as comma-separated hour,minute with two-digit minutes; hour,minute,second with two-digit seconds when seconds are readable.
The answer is 2,28,59
